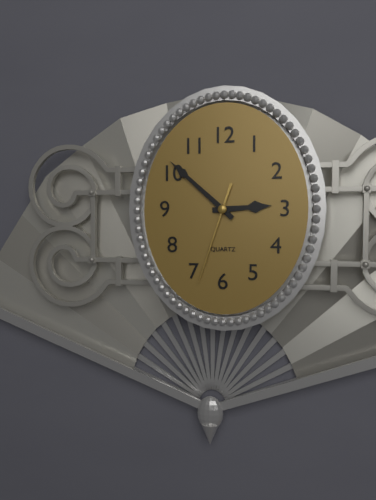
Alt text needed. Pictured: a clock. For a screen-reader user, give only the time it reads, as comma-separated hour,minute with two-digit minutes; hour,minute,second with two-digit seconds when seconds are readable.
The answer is 2,52,33
